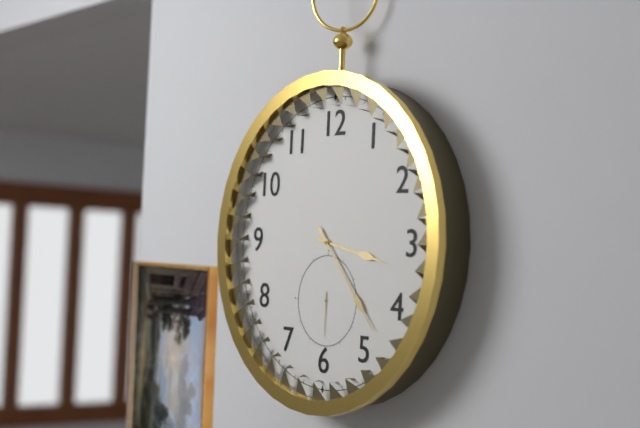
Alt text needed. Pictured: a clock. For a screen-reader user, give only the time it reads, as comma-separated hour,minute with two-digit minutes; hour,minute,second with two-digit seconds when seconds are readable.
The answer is 3,23
